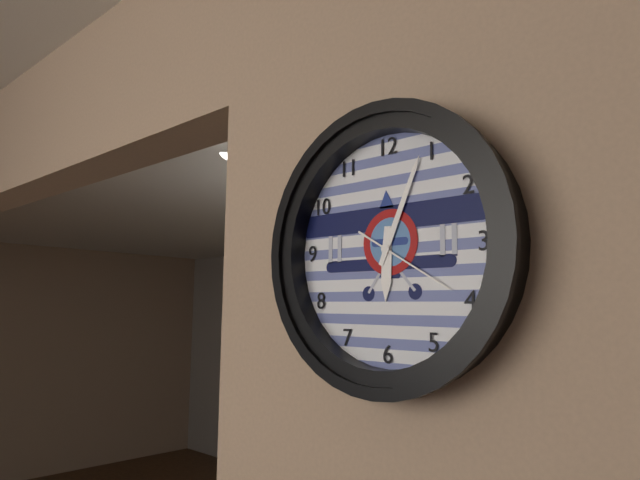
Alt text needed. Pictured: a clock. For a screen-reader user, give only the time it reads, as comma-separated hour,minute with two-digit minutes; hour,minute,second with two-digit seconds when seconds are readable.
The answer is 6,04,20
